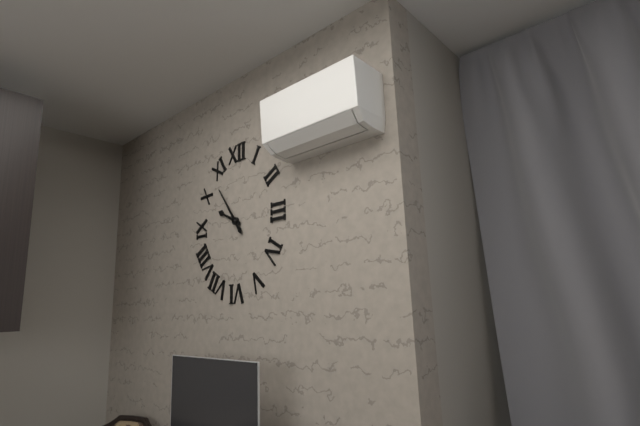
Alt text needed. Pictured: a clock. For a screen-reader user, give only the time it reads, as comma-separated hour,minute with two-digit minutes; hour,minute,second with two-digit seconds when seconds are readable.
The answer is 9,54
